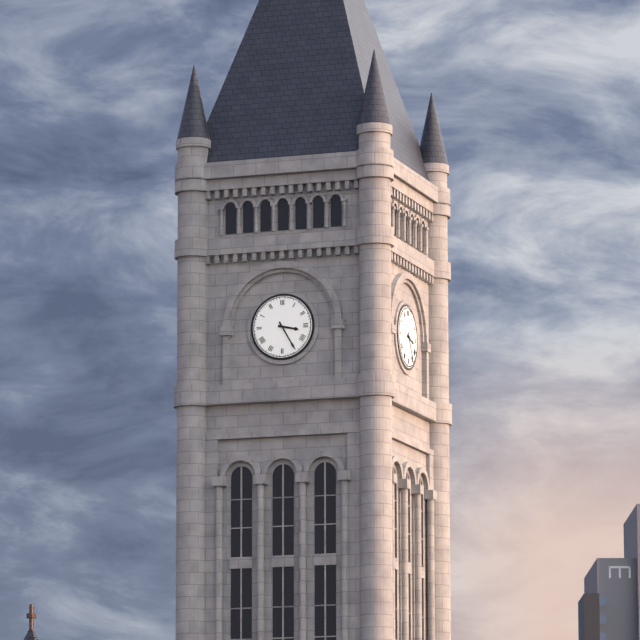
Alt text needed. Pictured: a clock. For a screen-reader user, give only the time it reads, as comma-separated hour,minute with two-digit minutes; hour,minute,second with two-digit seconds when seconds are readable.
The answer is 3,25
